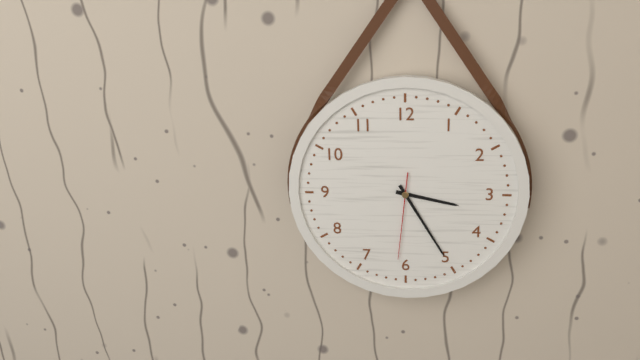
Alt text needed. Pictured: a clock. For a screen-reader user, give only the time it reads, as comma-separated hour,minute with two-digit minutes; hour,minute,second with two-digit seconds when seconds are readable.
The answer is 3,25,31
